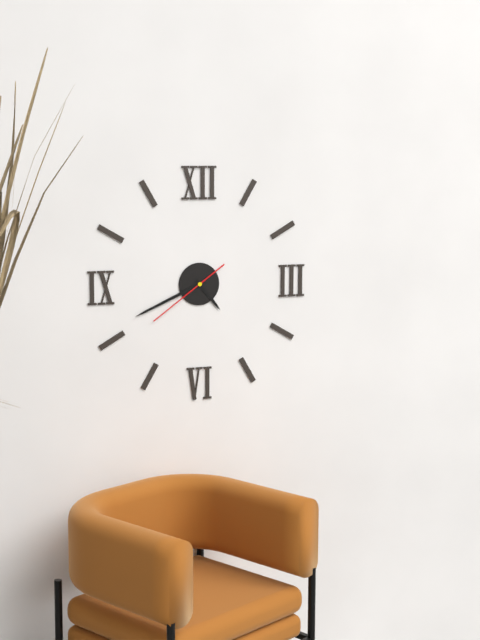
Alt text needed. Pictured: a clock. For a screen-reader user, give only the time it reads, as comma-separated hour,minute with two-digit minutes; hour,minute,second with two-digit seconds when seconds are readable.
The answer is 4,41,39
